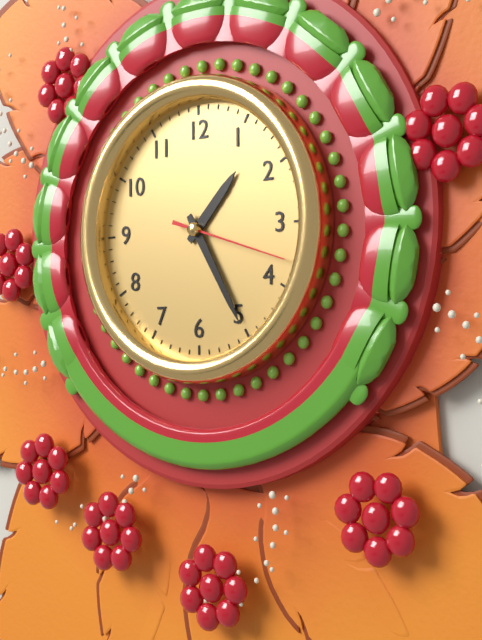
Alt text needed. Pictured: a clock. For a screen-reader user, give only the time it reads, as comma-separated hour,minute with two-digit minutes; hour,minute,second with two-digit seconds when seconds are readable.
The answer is 1,25,18
